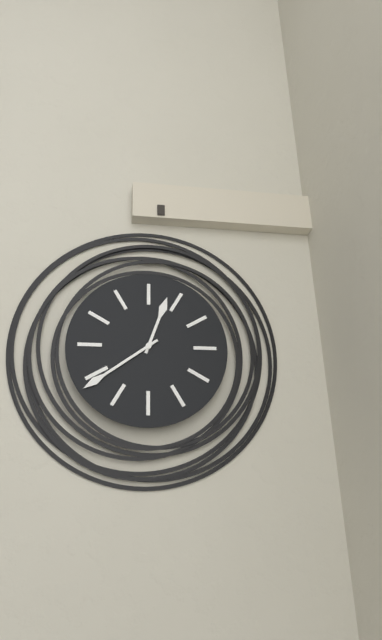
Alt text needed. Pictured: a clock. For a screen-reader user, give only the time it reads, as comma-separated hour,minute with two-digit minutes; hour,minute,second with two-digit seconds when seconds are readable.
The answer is 12,39
